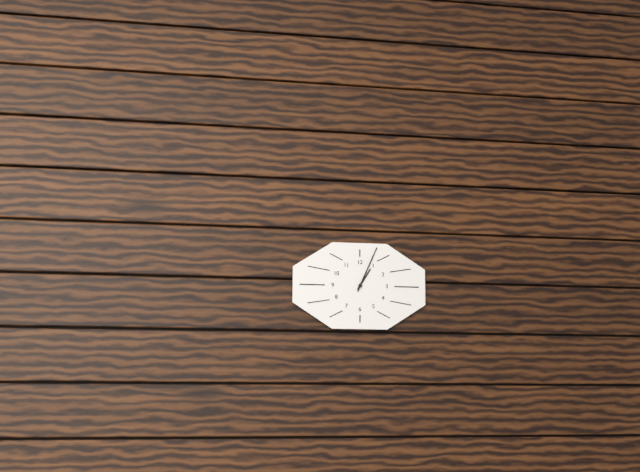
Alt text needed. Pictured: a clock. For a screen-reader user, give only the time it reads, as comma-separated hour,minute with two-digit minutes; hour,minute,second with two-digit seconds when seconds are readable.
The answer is 1,04
